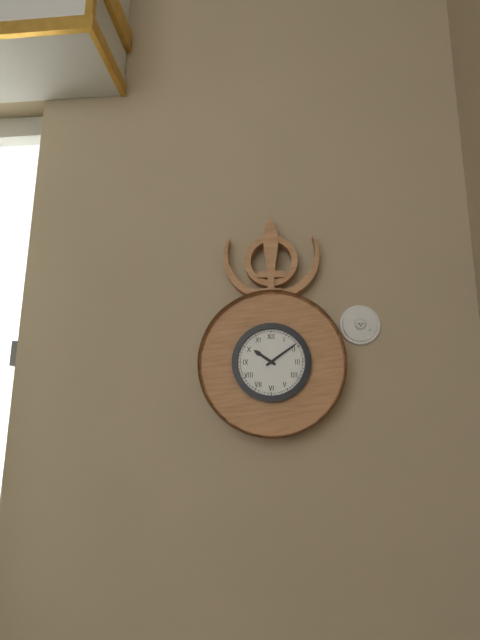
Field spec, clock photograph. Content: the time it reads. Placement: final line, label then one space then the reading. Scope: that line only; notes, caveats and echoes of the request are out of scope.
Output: 10:09
